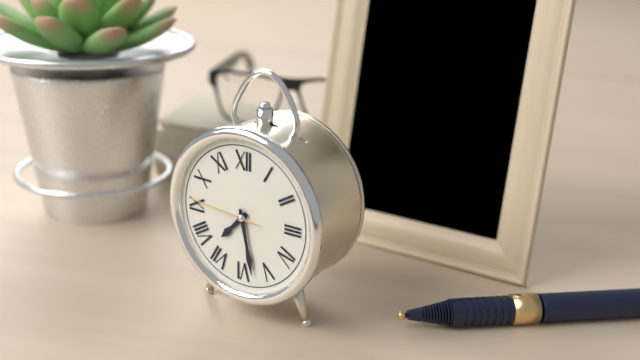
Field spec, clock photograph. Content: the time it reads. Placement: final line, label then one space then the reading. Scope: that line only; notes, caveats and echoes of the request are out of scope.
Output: 7:28:46
